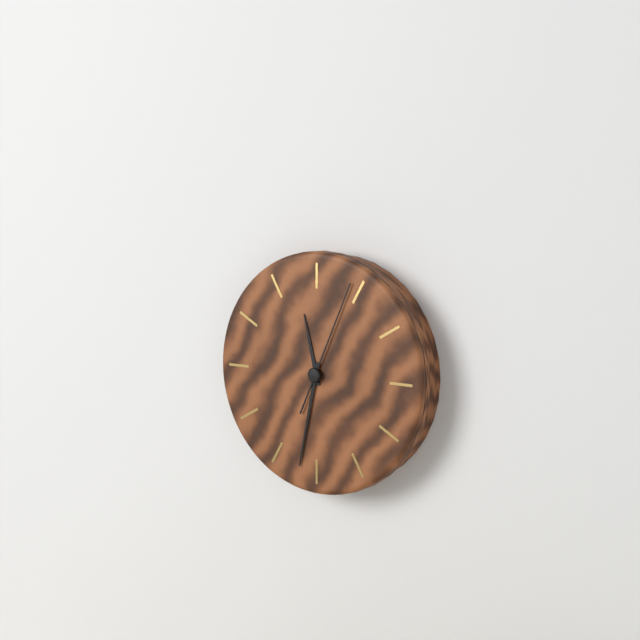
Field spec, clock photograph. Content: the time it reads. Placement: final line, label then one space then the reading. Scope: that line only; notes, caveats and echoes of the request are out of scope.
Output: 11:32:04
